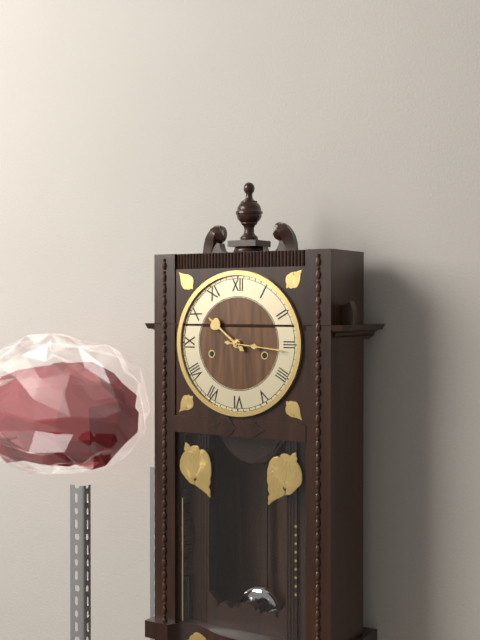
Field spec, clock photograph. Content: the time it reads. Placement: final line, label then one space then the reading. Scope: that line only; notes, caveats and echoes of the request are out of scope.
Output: 10:16
